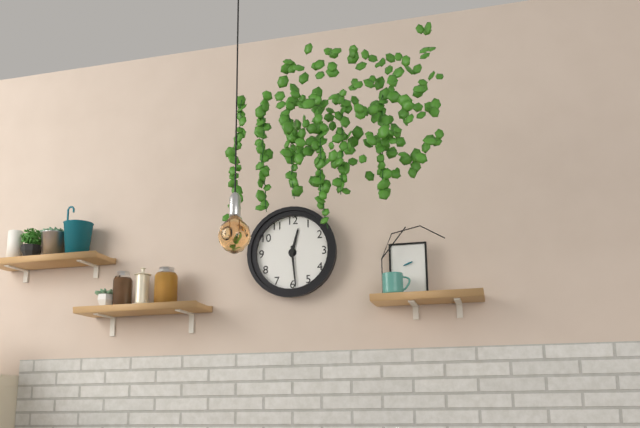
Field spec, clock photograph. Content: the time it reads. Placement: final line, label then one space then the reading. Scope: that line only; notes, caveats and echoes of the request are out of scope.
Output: 12:29
